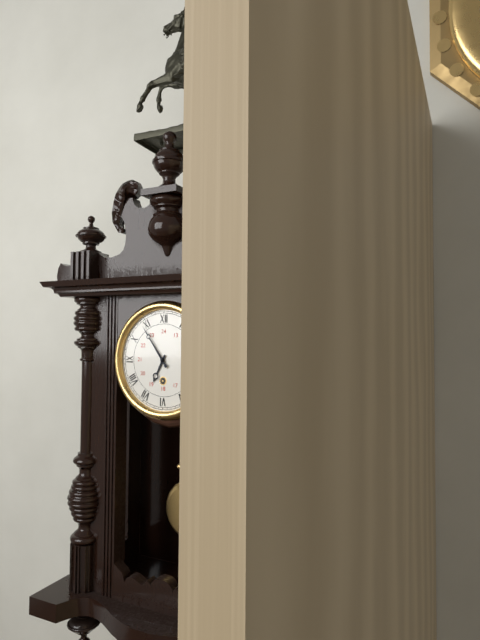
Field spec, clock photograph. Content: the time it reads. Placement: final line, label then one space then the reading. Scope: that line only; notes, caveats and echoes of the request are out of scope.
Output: 6:54
